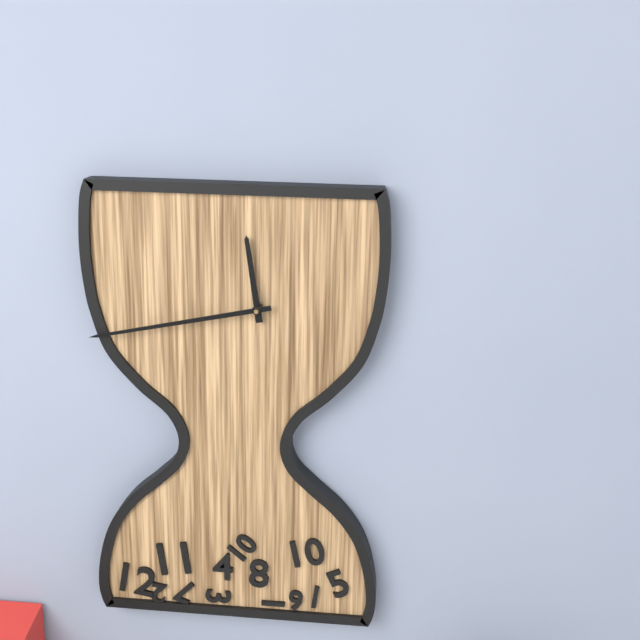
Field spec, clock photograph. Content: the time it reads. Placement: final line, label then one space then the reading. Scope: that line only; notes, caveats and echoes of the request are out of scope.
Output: 11:43
